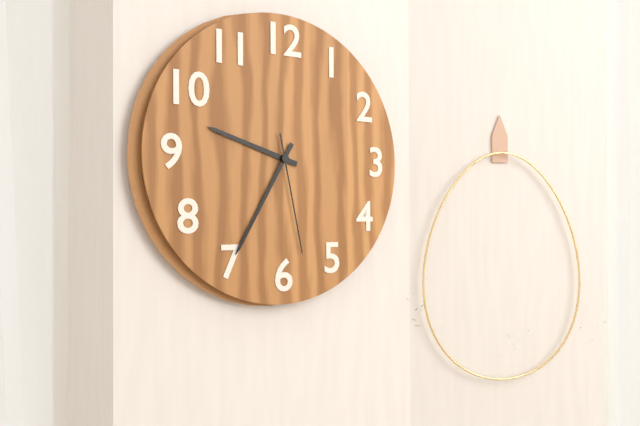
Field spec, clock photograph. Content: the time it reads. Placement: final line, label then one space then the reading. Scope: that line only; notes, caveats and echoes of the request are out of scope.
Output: 9:35:28
